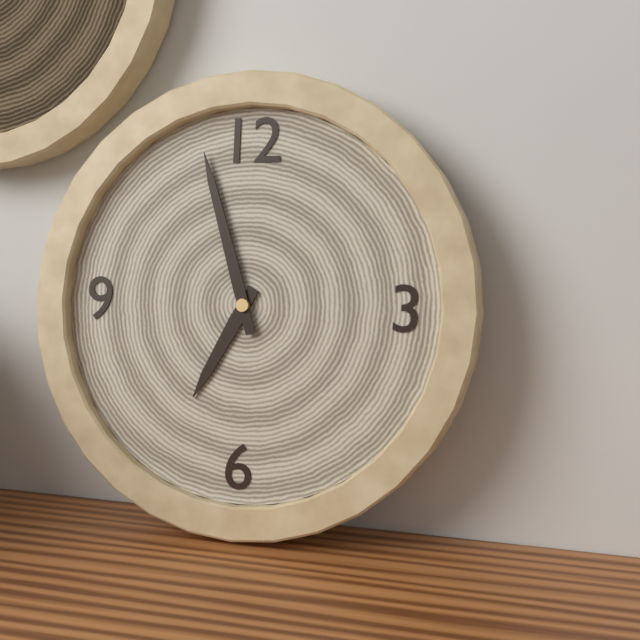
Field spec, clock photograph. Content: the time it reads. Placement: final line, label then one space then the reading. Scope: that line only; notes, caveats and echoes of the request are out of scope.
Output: 6:57
